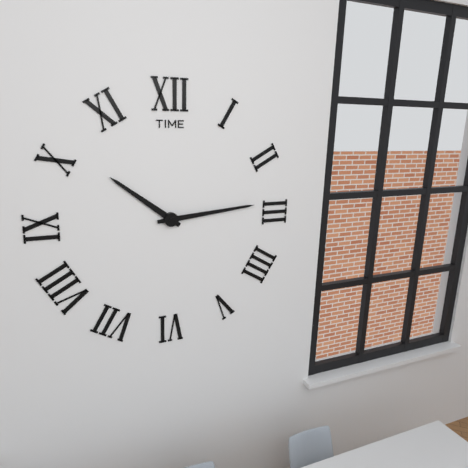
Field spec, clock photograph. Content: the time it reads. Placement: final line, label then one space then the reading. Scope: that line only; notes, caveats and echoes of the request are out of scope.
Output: 10:14
